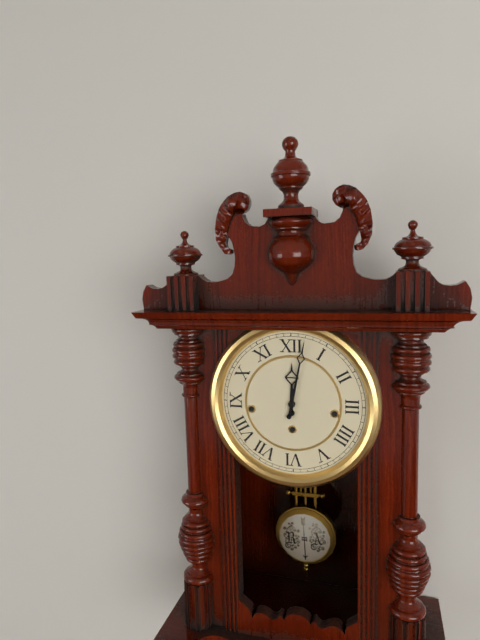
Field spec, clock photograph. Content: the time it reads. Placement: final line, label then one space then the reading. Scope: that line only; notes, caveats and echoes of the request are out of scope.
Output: 12:02
